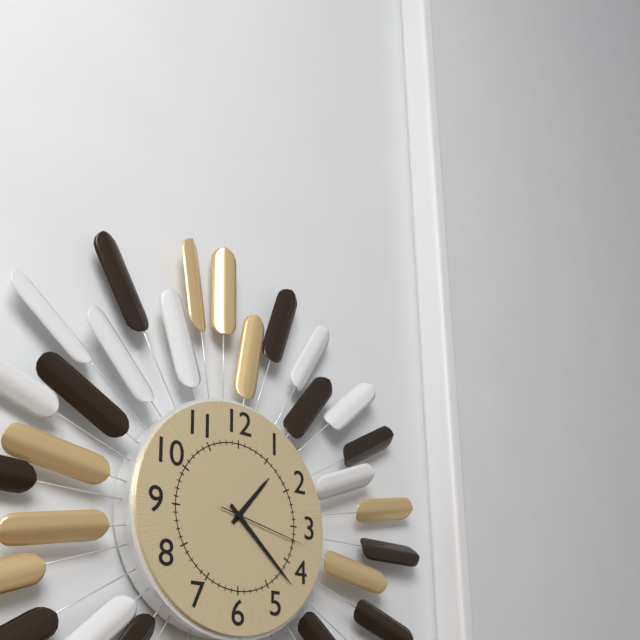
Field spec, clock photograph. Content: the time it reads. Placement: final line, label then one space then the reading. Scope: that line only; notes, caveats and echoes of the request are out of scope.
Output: 1:22:17
